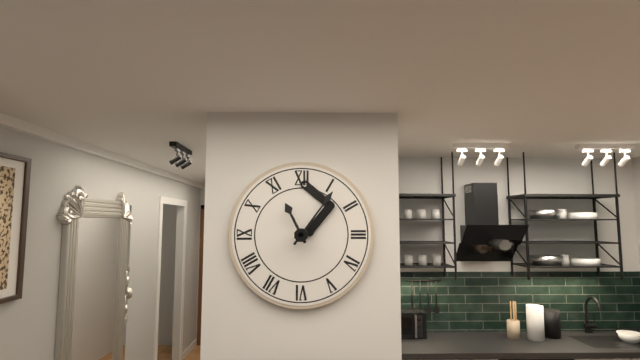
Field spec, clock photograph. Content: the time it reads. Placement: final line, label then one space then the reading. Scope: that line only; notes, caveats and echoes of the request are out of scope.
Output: 11:06
